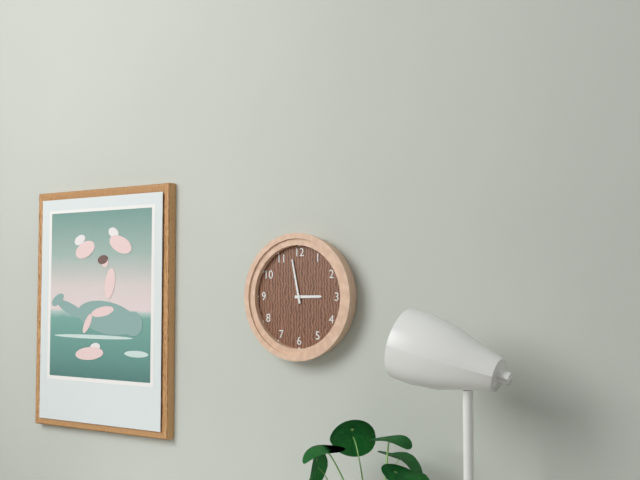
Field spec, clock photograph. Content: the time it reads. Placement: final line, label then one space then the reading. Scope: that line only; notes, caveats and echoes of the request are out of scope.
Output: 2:58
